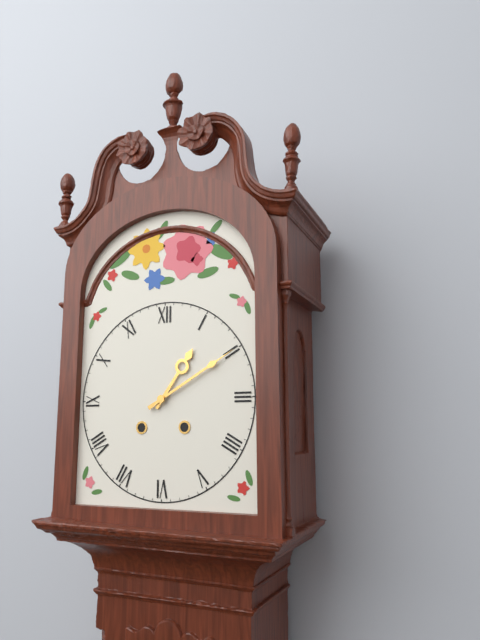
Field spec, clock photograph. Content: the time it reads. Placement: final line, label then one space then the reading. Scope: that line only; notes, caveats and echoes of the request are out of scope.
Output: 1:10
